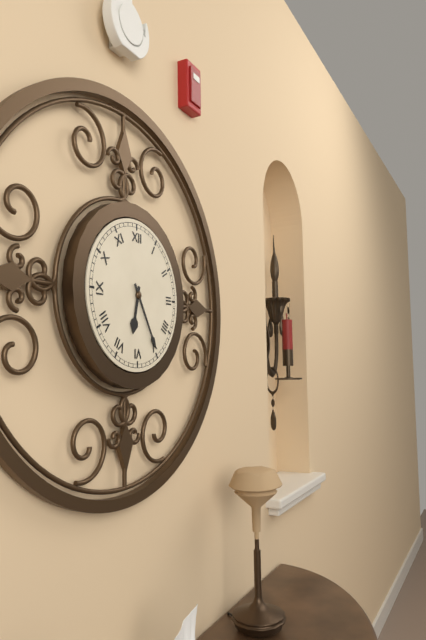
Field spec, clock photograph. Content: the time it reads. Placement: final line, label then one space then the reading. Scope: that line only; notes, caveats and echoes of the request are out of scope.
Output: 6:25
